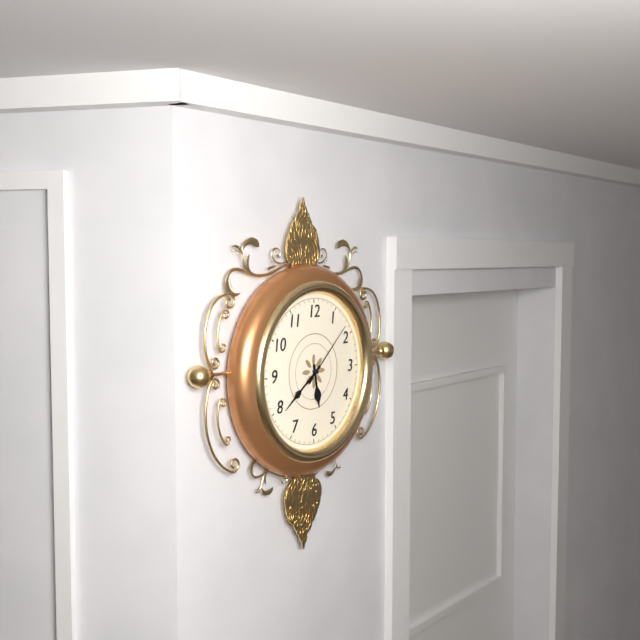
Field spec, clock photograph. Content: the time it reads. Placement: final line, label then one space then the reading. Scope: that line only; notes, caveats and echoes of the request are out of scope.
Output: 5:39:08
